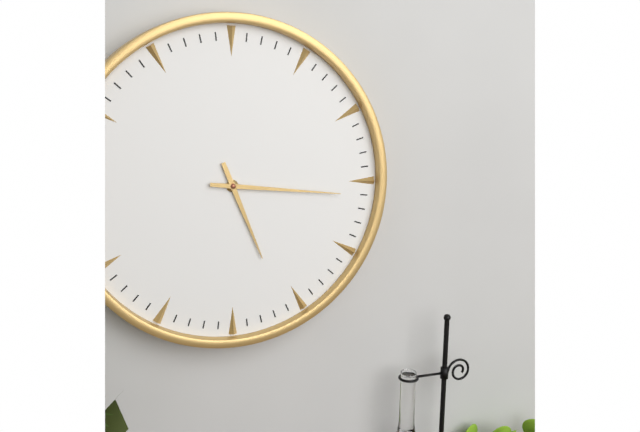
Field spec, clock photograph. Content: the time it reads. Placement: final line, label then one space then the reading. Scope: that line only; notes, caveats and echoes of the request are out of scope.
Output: 5:16
